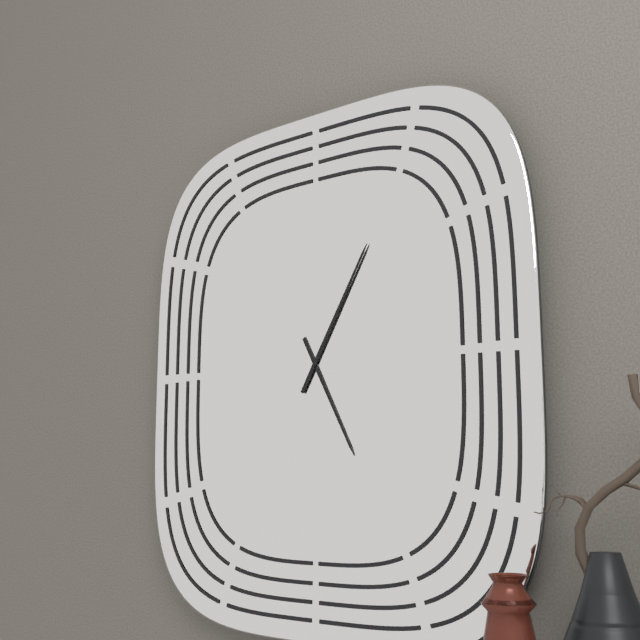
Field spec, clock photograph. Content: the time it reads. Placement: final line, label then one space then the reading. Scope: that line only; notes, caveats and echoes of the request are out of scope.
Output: 5:05
